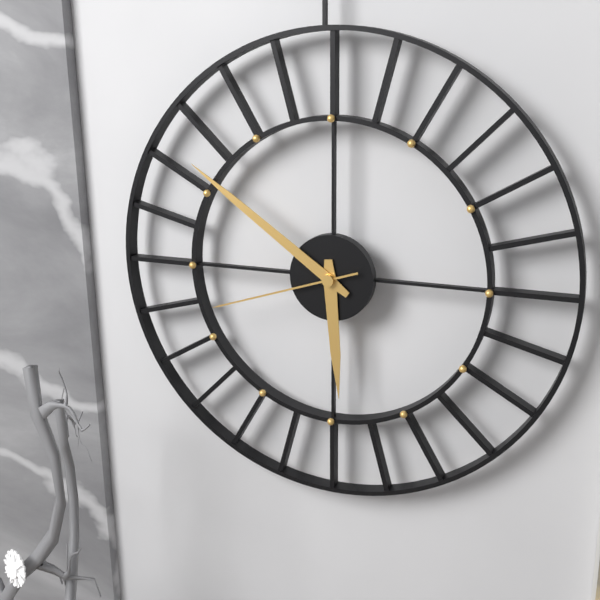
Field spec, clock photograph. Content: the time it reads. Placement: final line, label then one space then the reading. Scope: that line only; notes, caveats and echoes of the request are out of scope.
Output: 5:51:42
